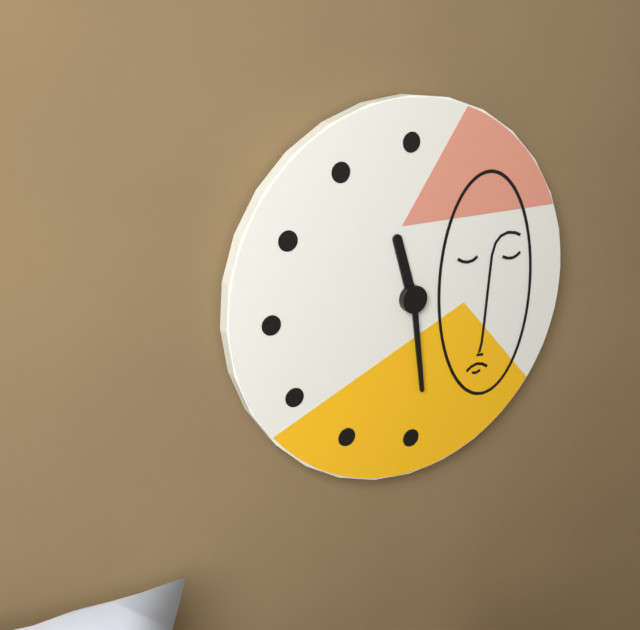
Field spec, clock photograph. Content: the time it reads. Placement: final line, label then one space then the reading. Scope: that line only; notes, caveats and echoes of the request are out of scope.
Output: 11:29
